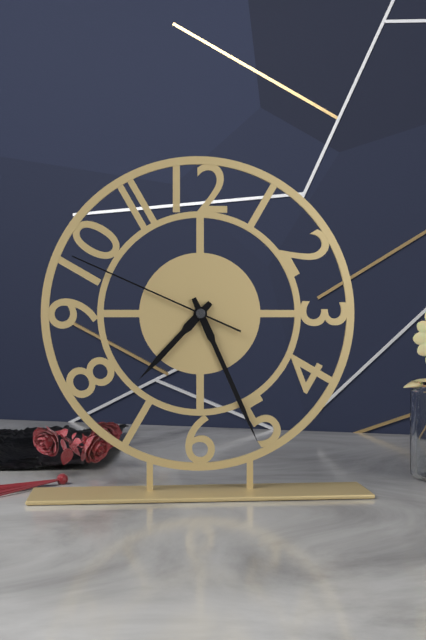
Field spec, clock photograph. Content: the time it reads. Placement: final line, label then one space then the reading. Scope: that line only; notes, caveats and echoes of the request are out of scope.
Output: 7:26:49
